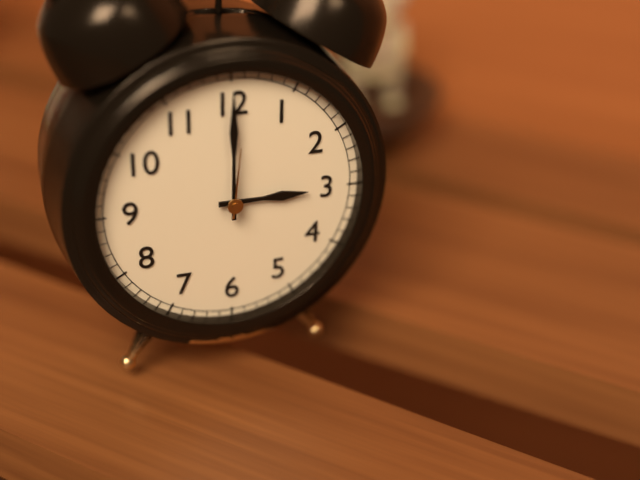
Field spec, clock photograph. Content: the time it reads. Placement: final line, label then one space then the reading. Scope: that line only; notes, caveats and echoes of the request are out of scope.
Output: 3:00:01
